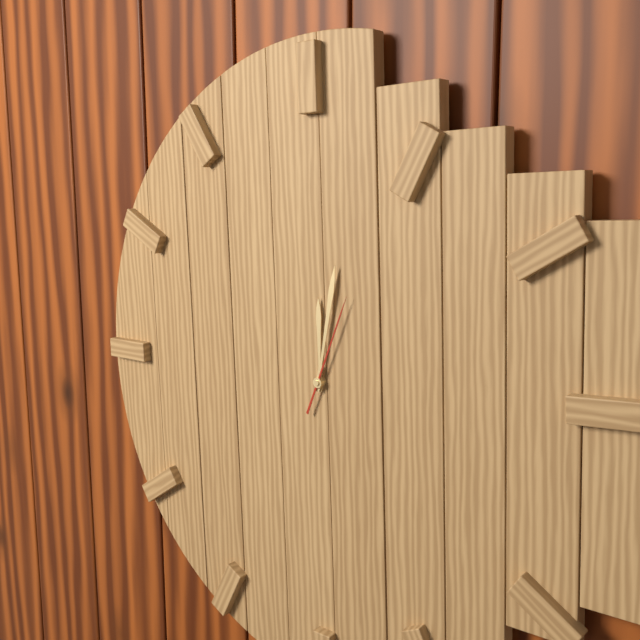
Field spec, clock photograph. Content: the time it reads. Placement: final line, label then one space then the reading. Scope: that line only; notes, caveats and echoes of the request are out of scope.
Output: 12:02:04
